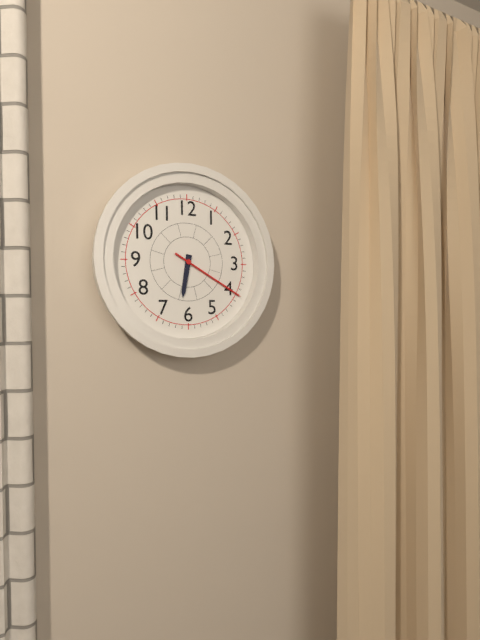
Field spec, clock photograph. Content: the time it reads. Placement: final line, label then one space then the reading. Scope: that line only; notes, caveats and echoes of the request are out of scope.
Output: 6:20
